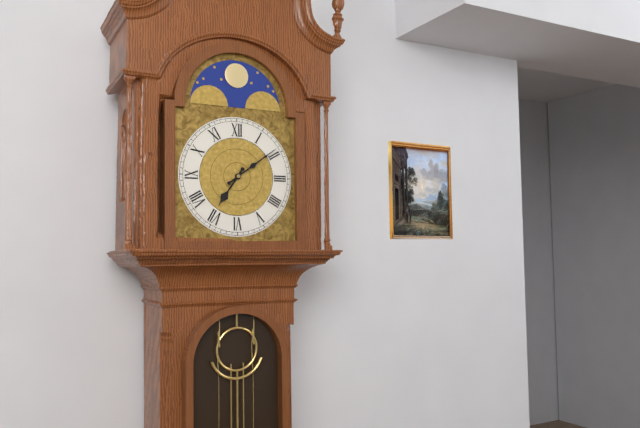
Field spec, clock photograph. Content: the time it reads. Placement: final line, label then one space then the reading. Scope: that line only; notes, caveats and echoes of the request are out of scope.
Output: 7:09
